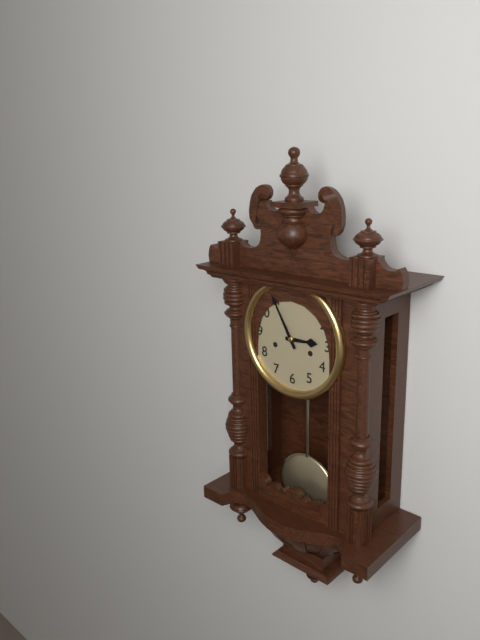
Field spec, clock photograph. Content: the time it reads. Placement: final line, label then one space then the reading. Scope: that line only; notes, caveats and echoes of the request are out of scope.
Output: 2:55
